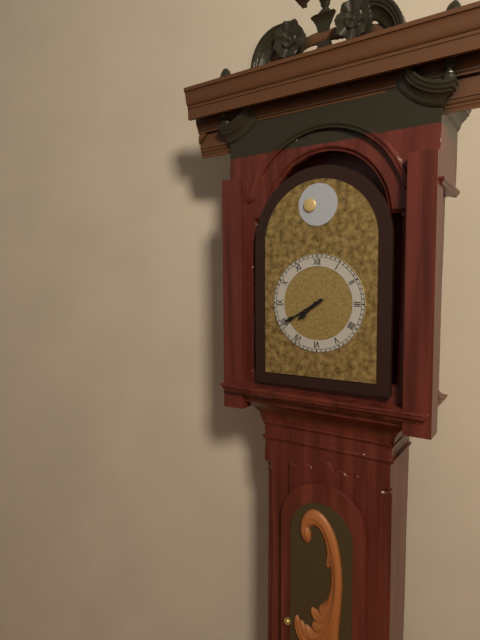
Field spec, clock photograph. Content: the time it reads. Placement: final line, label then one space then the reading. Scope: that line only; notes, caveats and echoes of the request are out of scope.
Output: 7:40
